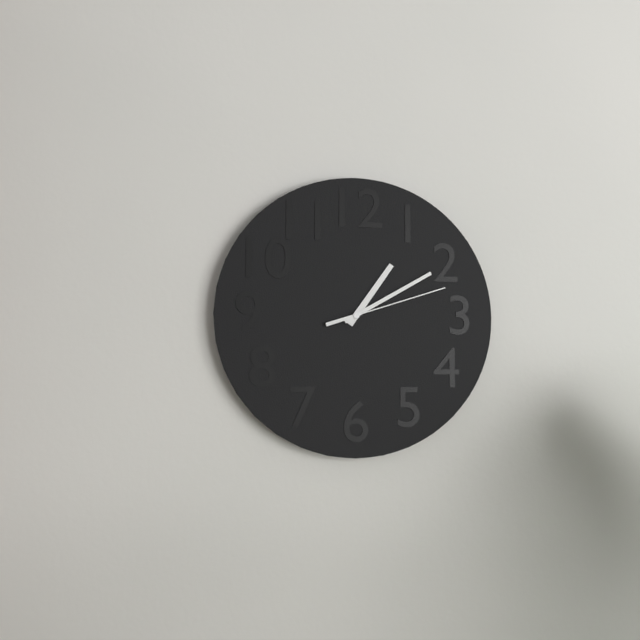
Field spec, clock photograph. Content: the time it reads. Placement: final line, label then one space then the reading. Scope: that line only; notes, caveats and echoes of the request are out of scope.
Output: 1:10:12
